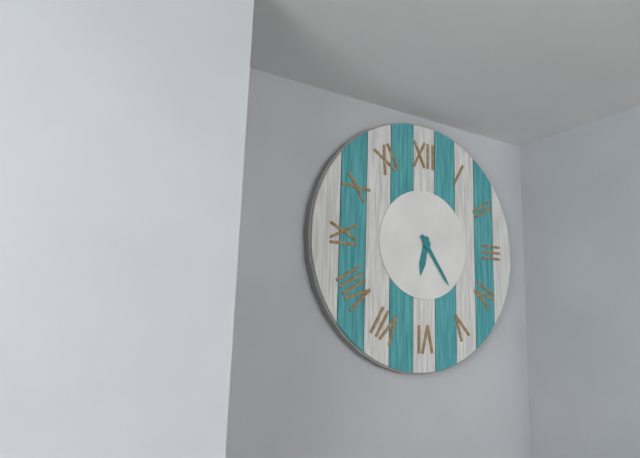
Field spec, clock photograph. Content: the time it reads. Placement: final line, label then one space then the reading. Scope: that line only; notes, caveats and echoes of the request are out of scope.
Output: 6:24
